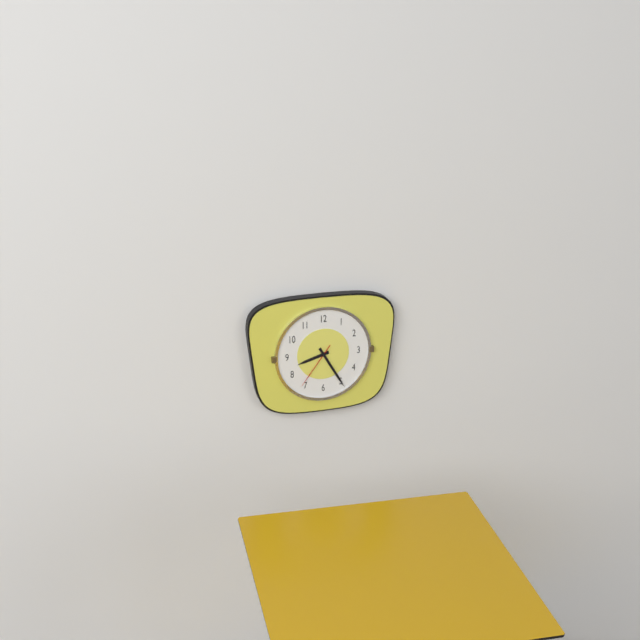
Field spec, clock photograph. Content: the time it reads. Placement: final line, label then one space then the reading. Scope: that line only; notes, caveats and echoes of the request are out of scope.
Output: 8:25
